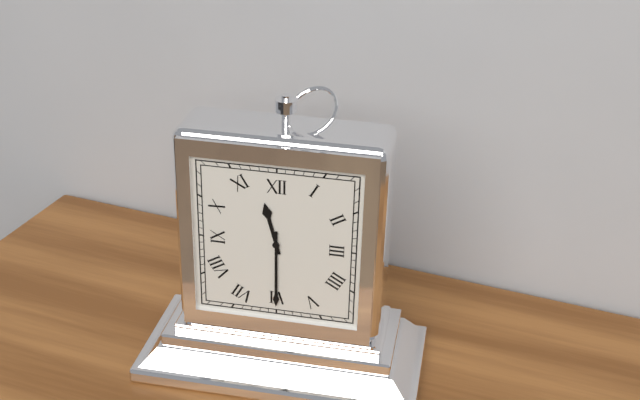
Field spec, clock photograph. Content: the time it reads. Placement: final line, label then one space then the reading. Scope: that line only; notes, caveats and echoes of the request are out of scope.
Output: 11:30
